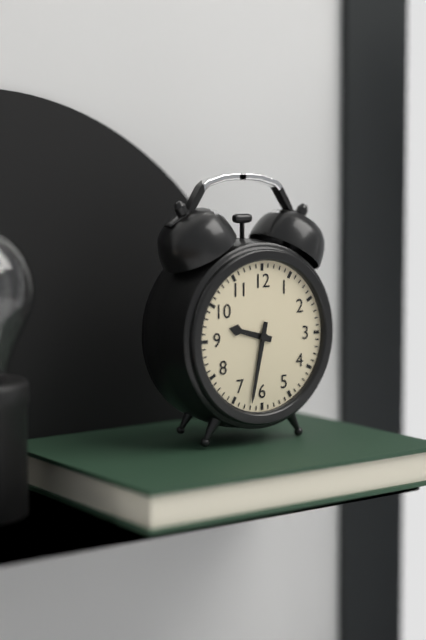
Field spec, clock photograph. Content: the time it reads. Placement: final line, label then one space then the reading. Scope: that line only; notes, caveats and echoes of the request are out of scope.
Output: 9:32
